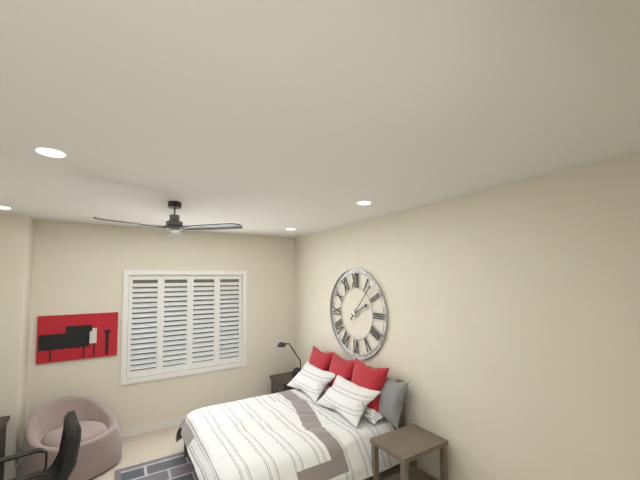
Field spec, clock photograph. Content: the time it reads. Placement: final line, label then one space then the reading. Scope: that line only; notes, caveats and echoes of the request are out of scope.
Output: 2:07
